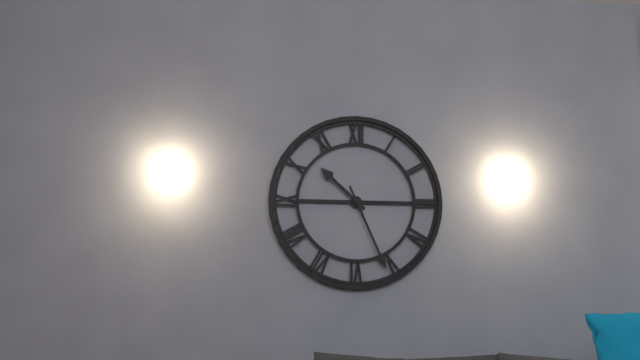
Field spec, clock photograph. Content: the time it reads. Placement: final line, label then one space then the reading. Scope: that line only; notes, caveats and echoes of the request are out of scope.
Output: 10:26
